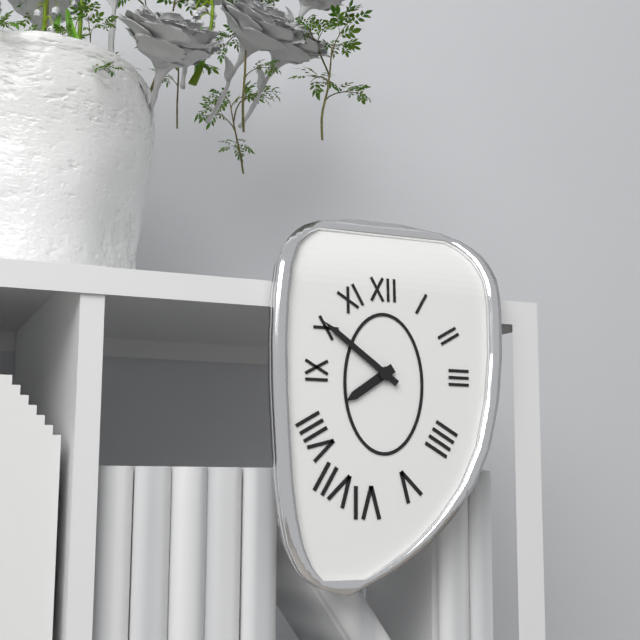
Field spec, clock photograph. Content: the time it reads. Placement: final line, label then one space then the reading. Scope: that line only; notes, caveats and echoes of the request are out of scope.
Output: 7:51
